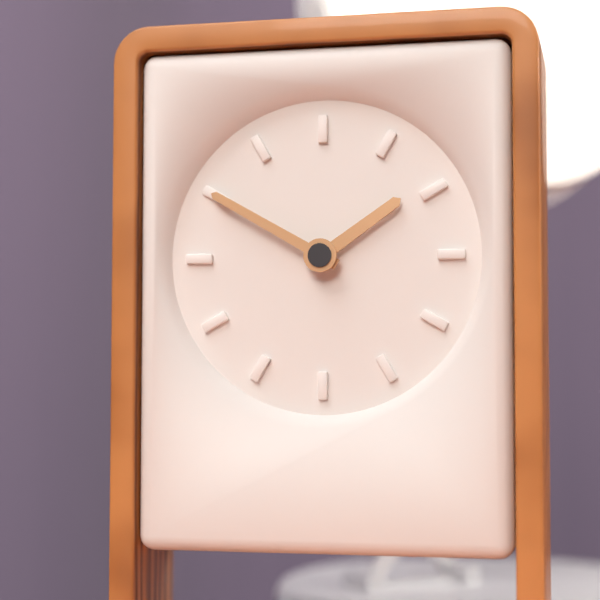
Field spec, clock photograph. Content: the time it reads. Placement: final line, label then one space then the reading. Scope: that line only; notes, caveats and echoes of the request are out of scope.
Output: 1:50
